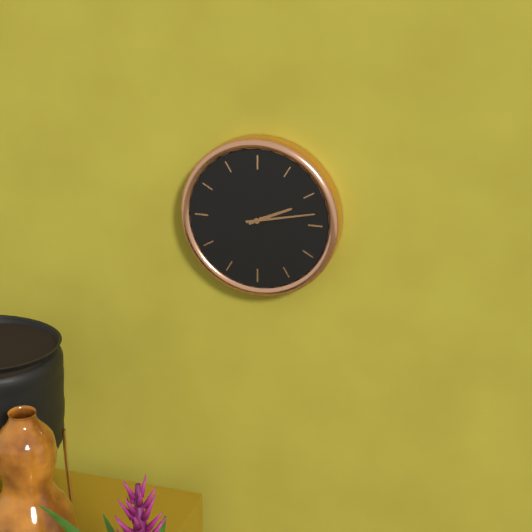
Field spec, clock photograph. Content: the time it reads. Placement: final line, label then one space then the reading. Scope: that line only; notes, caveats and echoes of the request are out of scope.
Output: 2:13
